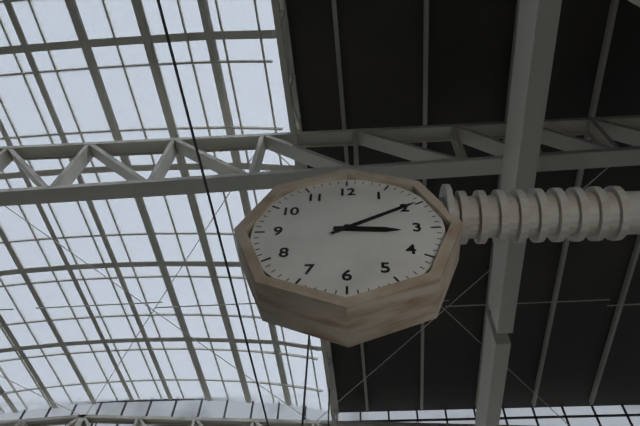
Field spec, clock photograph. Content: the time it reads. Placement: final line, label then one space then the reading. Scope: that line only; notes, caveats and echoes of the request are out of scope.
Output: 3:10
